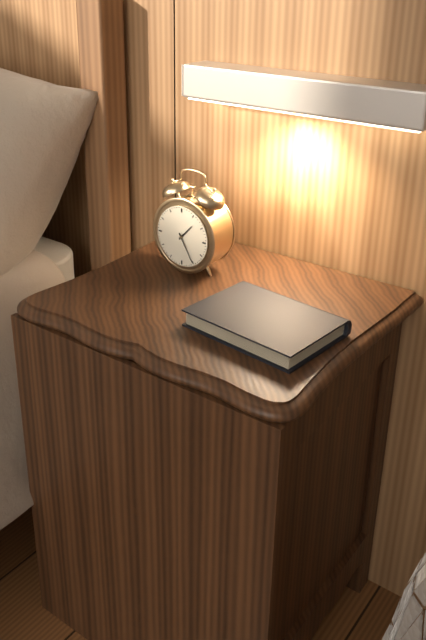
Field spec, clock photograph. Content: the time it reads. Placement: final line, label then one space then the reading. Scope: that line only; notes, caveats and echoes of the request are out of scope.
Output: 1:25
